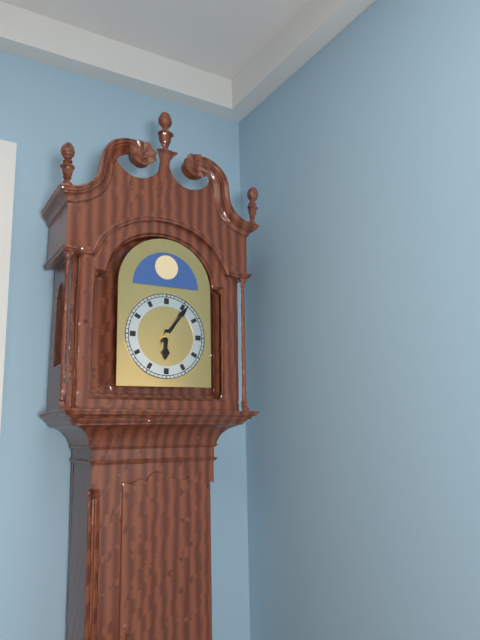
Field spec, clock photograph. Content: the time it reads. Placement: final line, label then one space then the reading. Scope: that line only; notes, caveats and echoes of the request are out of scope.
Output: 6:06
